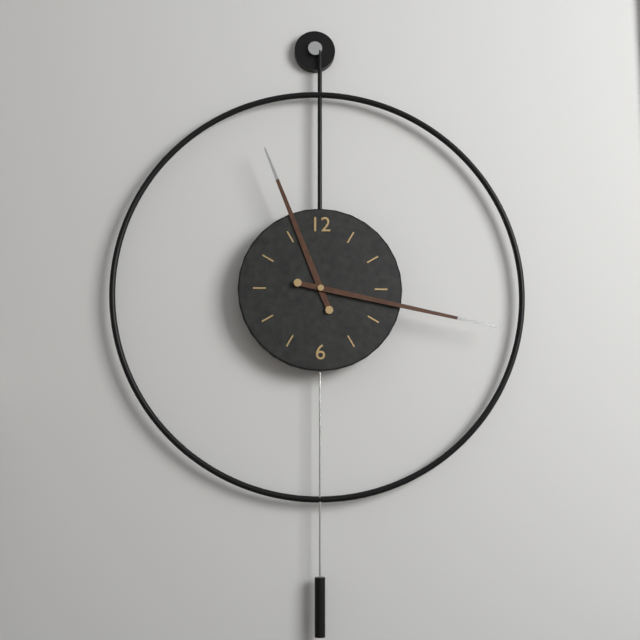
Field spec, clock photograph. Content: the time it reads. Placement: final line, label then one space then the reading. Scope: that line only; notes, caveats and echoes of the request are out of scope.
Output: 11:17
